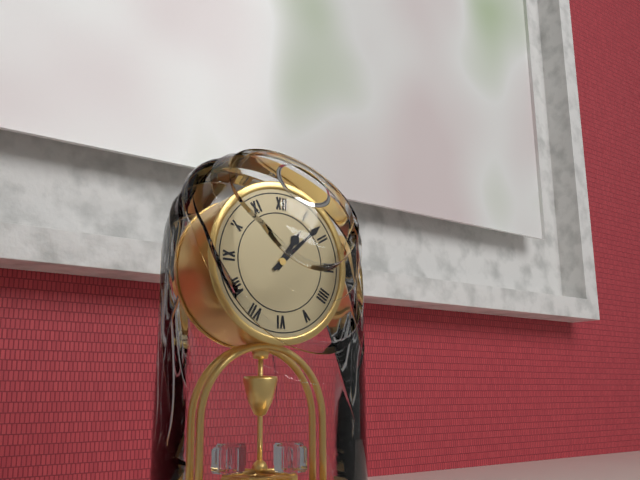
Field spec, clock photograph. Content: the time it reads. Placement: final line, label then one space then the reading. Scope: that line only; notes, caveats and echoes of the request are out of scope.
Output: 1:08
